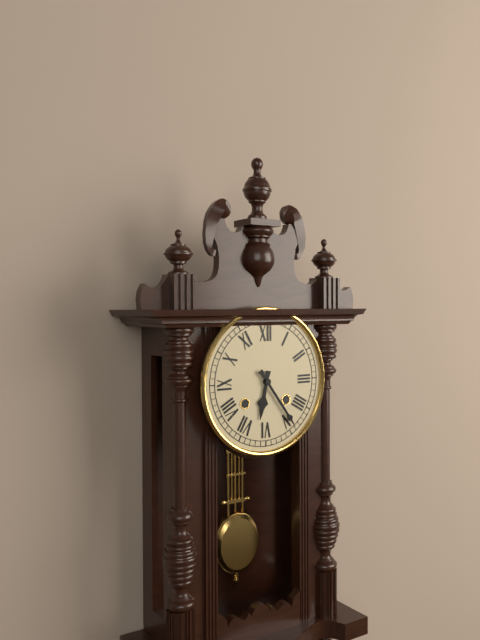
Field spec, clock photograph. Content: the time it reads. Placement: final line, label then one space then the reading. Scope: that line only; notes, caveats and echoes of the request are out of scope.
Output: 6:24
